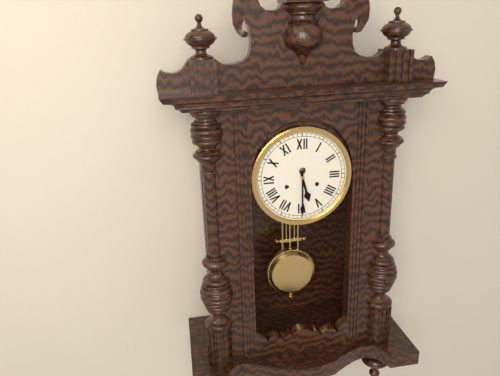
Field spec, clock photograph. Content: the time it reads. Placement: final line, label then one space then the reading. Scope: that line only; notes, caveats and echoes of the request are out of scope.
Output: 5:30
